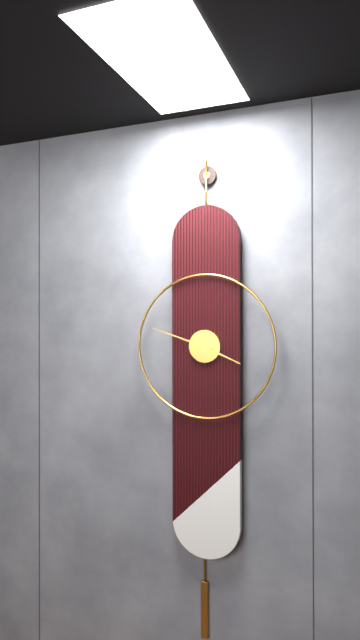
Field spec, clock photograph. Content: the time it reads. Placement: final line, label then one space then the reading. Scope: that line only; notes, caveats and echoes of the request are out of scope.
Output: 3:48
